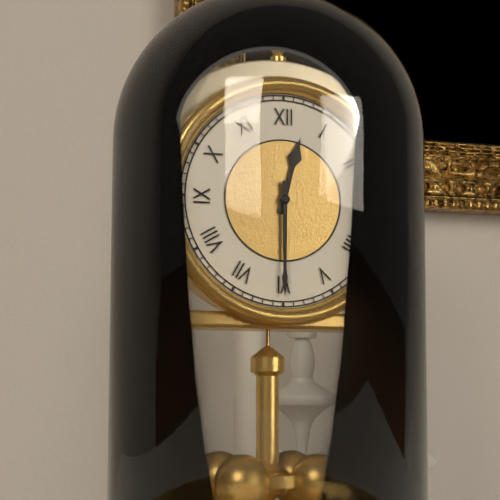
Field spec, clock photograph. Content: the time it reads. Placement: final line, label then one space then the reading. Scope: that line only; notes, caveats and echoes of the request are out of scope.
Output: 12:30
